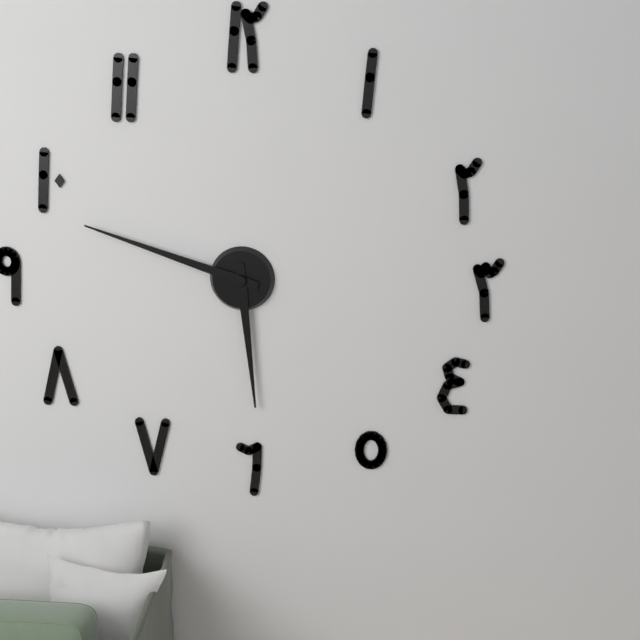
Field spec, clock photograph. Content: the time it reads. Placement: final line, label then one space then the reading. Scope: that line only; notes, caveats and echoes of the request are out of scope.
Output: 5:48
